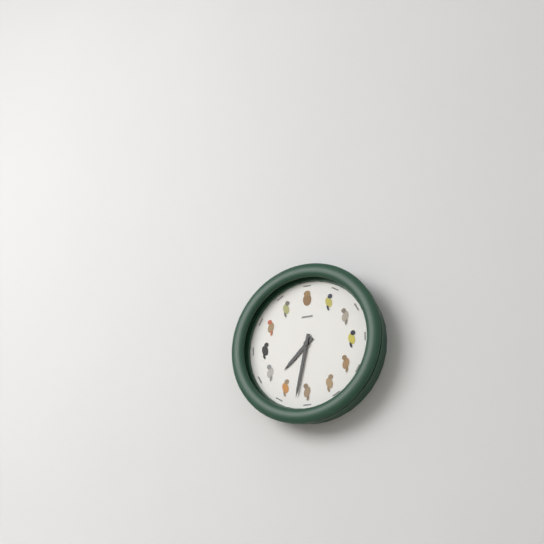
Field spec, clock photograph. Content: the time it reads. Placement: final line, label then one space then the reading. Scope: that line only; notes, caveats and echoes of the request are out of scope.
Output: 7:32
